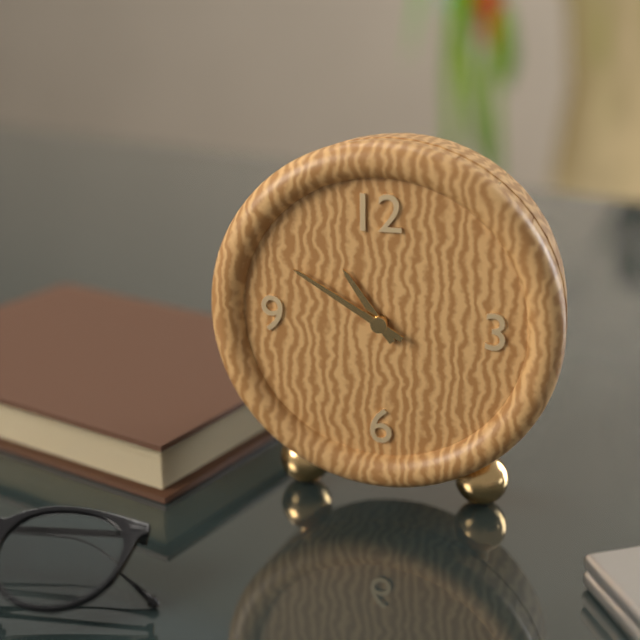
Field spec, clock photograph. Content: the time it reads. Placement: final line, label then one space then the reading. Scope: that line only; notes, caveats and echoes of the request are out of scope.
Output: 10:50
